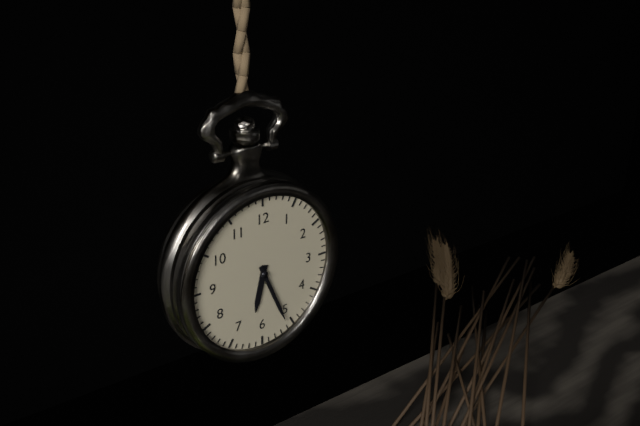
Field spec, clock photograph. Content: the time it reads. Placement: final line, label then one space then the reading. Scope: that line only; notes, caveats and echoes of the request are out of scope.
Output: 6:26
